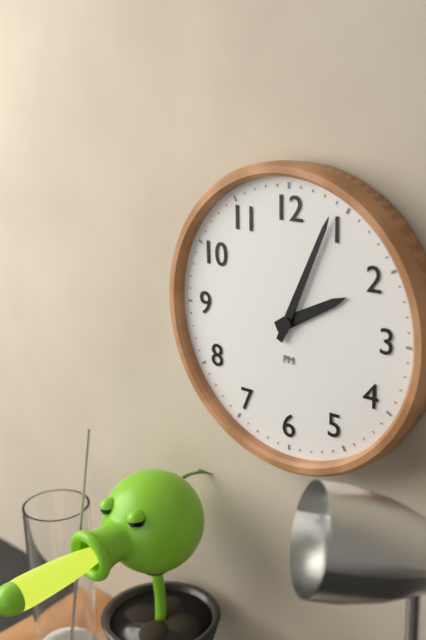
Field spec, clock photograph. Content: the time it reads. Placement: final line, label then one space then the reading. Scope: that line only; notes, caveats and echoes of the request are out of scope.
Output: 2:04
